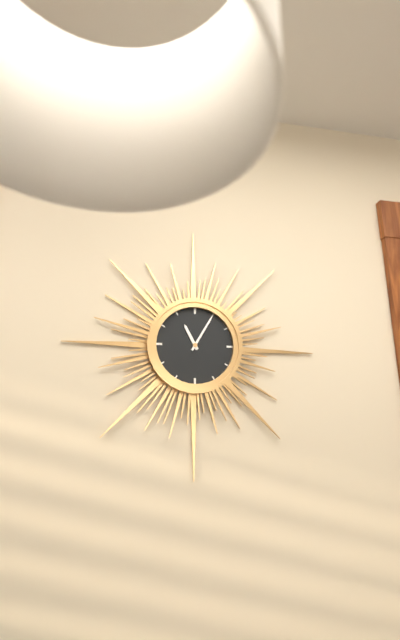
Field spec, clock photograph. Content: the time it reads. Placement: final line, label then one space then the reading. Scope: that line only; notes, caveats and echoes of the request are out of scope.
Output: 11:05
